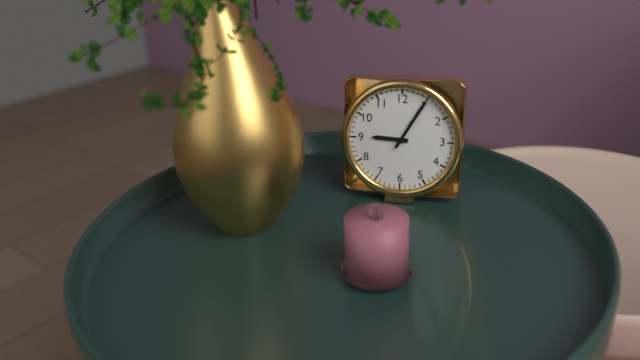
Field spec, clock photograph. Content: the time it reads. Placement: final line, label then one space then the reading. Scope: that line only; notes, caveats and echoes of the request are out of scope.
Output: 9:05
